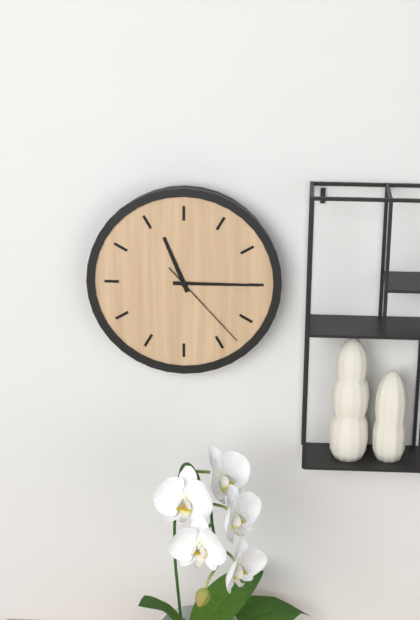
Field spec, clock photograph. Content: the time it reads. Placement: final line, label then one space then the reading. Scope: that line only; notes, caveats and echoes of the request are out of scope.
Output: 11:15:23
